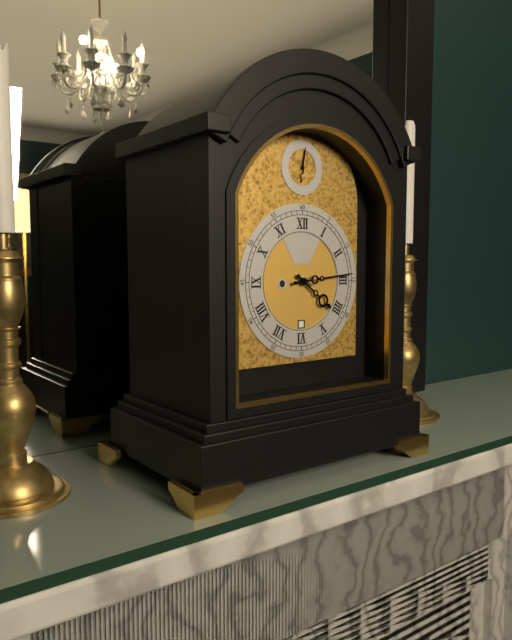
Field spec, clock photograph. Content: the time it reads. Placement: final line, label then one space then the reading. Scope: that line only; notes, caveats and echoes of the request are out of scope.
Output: 4:14
